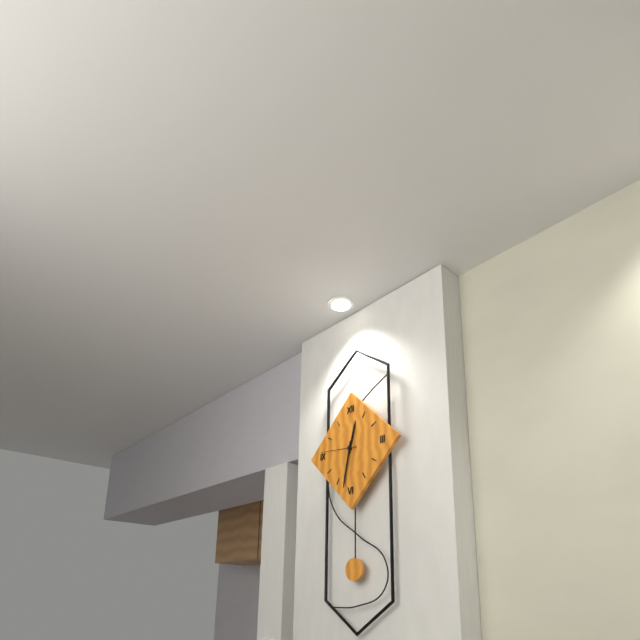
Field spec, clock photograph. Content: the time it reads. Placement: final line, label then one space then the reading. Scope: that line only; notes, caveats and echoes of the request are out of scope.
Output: 12:32
